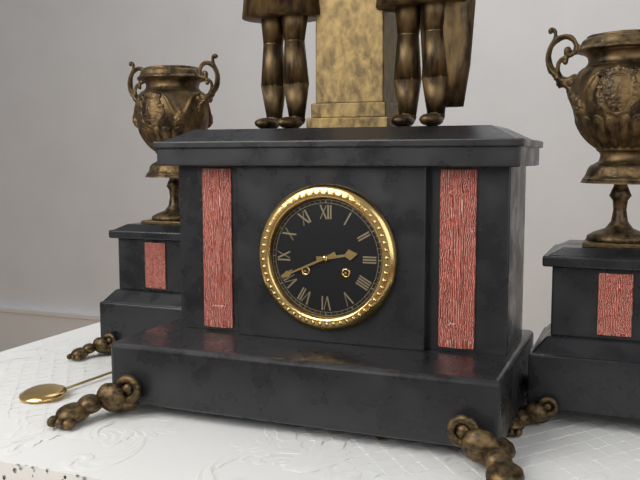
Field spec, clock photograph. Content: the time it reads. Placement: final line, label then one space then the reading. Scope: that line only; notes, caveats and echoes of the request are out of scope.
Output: 2:41
